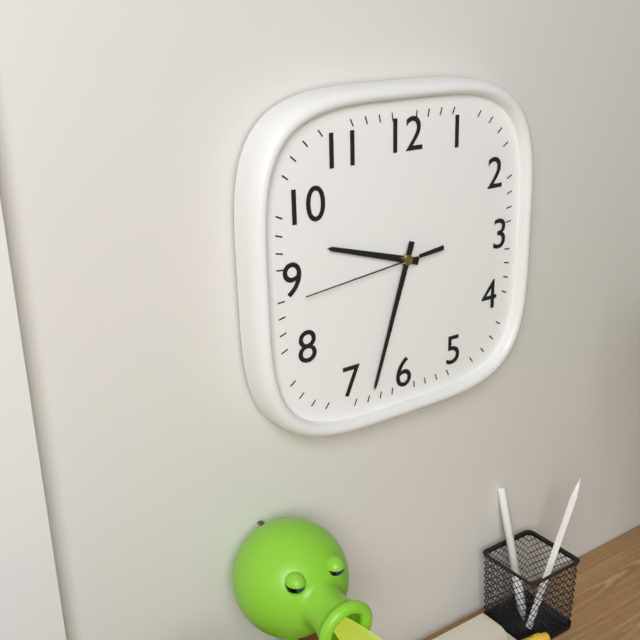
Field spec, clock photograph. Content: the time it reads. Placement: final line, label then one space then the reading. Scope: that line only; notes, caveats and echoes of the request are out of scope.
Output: 9:33:44
